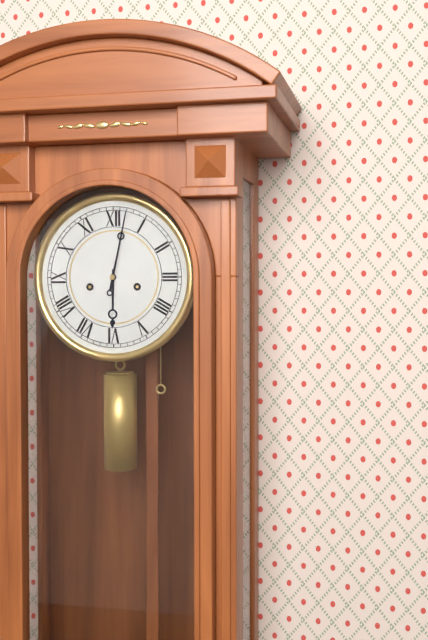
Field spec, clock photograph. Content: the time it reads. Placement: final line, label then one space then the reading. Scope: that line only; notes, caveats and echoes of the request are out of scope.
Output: 6:02
